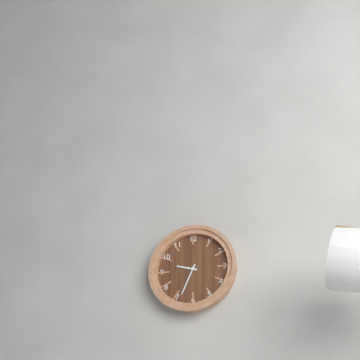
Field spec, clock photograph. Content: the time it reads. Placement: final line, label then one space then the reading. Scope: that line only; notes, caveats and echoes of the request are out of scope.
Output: 9:34
